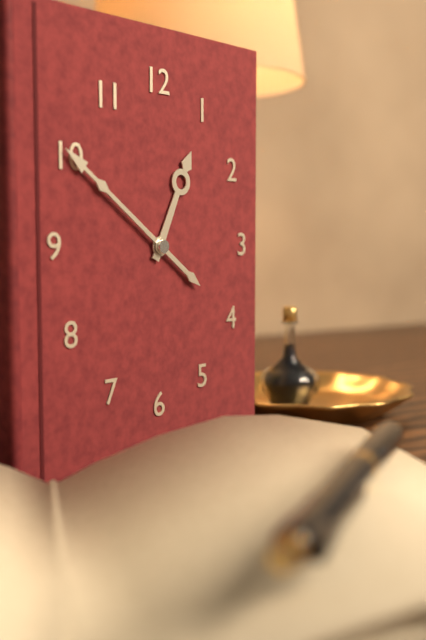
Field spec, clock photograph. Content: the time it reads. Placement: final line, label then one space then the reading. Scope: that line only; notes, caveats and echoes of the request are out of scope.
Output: 12:51
